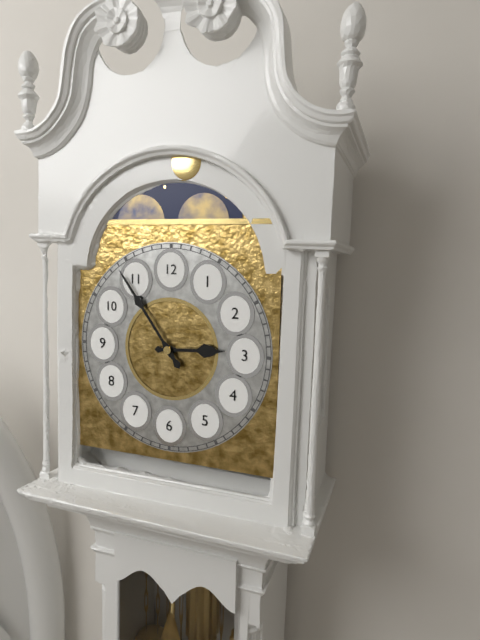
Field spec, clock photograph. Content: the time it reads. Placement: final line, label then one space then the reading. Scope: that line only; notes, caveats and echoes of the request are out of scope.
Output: 2:54
